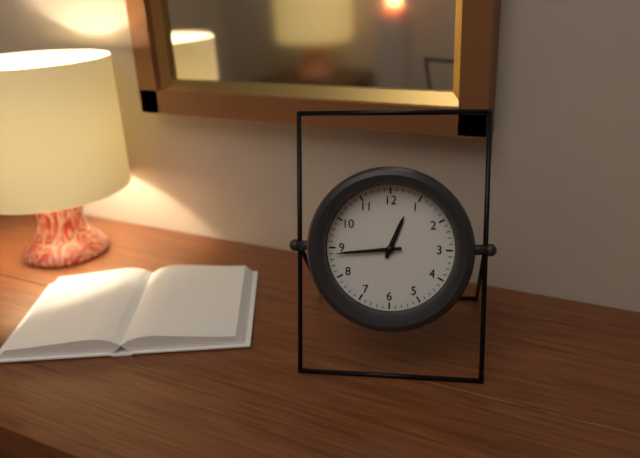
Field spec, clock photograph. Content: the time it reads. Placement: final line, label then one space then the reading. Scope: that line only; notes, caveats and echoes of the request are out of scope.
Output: 12:44
